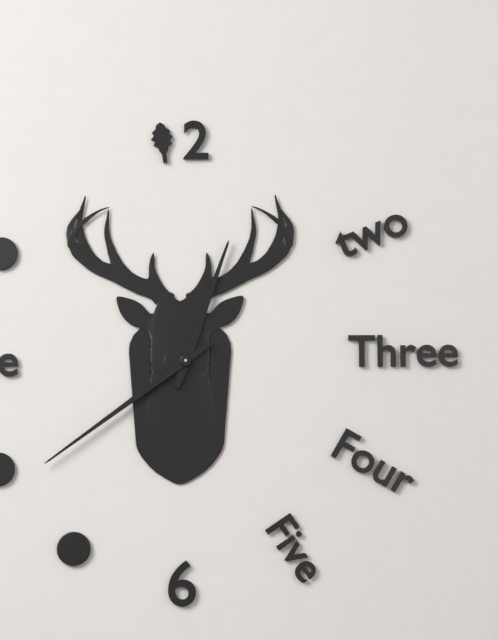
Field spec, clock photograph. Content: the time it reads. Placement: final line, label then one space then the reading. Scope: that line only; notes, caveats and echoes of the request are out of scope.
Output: 12:39
